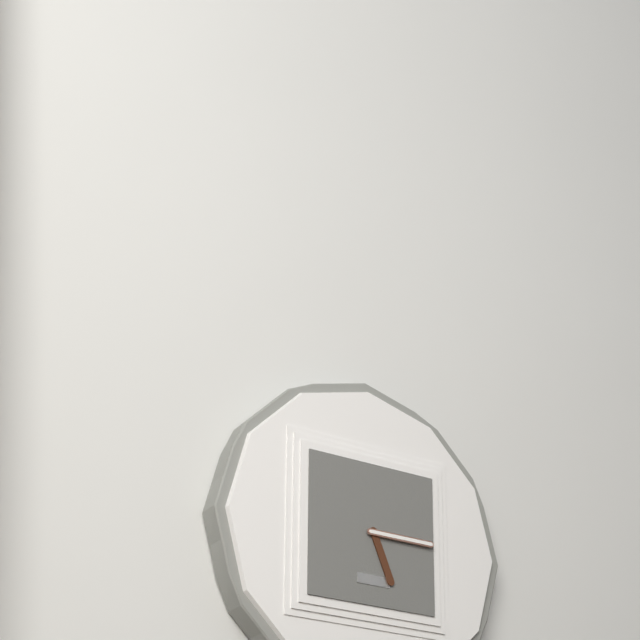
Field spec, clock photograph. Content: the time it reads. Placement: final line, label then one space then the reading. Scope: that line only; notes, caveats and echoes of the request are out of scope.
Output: 5:15
